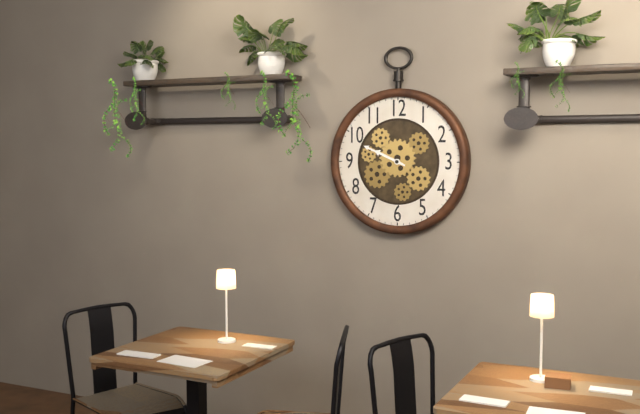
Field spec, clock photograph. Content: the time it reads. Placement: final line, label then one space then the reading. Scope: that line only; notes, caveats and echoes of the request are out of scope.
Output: 9:49
